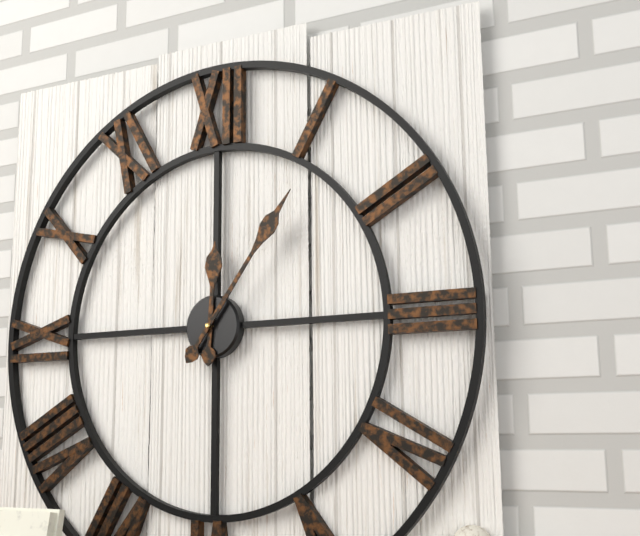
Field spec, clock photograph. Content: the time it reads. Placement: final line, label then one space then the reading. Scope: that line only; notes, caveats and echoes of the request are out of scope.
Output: 12:06
